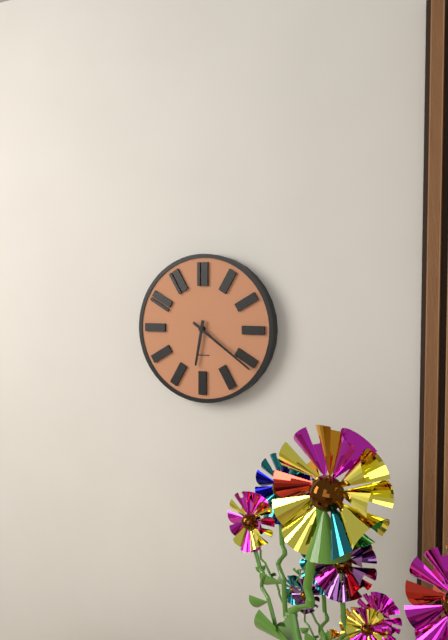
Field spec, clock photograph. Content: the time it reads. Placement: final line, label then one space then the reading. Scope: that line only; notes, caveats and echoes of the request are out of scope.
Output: 6:21
